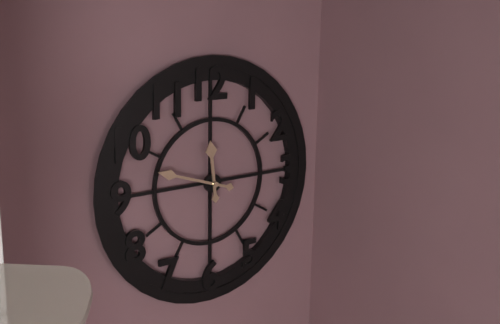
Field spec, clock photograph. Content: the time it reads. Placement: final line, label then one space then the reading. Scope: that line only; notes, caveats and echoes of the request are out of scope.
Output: 11:48
